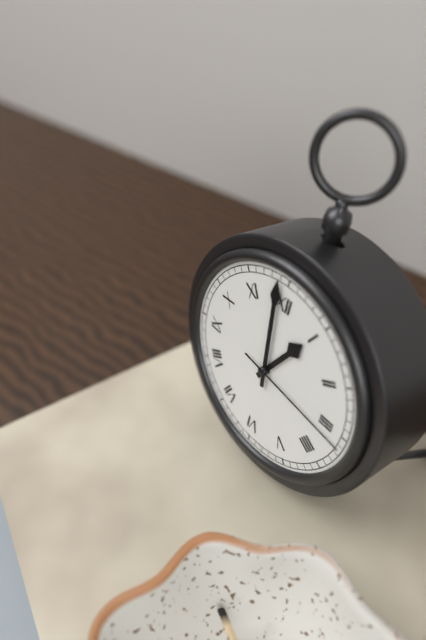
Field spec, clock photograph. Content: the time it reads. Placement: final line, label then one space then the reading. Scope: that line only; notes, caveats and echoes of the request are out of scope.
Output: 12:59:16
